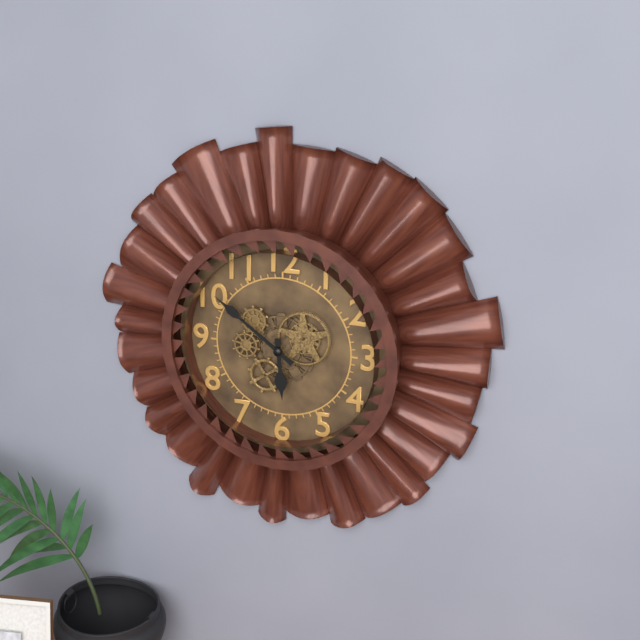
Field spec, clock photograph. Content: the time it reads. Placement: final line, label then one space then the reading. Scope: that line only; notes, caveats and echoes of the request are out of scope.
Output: 5:51
